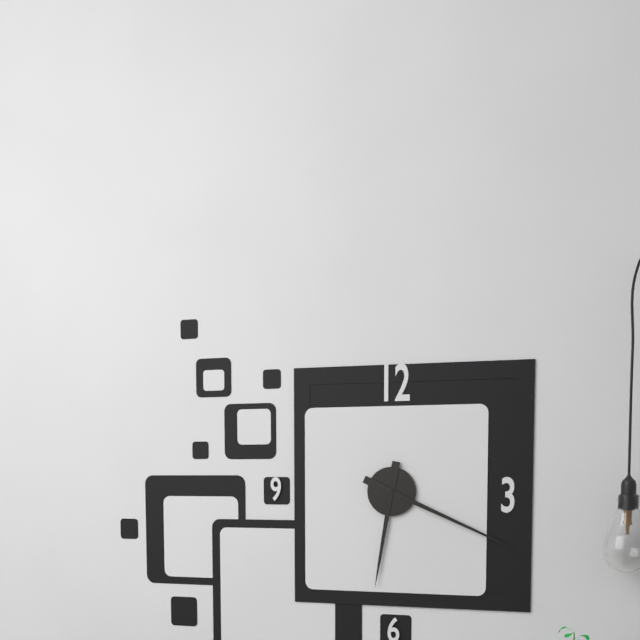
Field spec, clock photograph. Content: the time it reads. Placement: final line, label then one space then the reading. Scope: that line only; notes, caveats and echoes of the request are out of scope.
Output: 6:19
